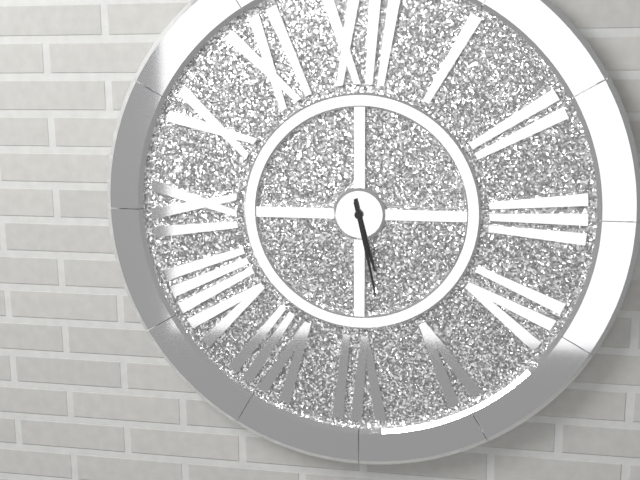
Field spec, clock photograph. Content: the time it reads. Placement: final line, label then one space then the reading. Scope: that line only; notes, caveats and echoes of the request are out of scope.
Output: 5:28
